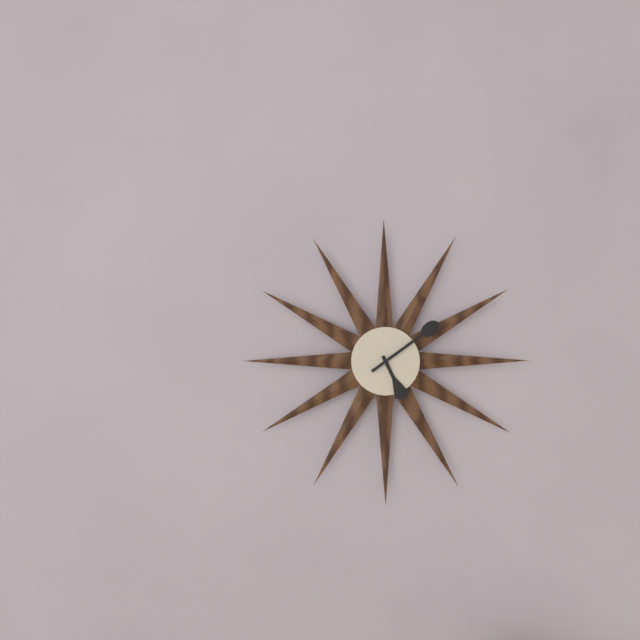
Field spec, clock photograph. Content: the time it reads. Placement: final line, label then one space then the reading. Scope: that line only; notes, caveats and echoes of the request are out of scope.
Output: 5:09
